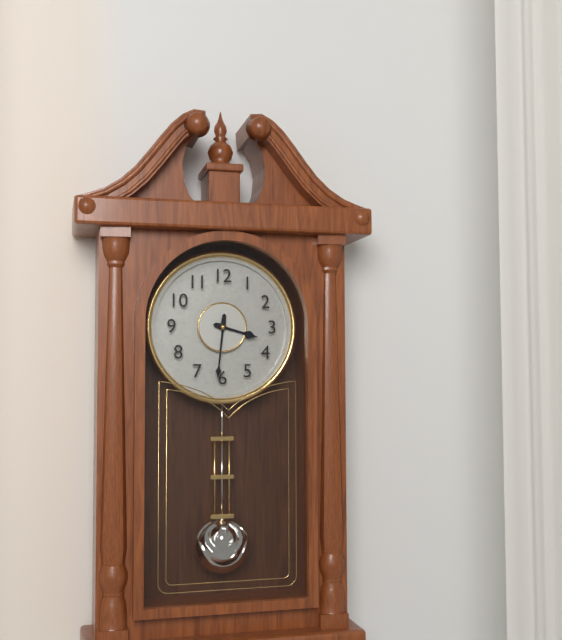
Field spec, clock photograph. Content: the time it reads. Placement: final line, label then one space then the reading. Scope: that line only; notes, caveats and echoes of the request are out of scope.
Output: 3:31
